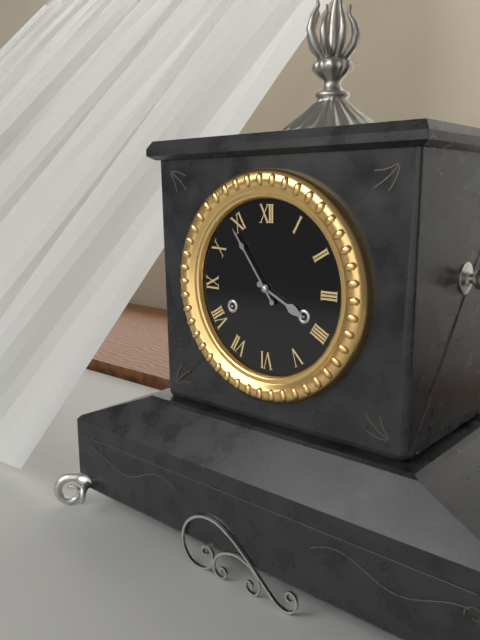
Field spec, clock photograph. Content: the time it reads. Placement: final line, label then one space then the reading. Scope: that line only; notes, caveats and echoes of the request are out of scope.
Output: 3:54
